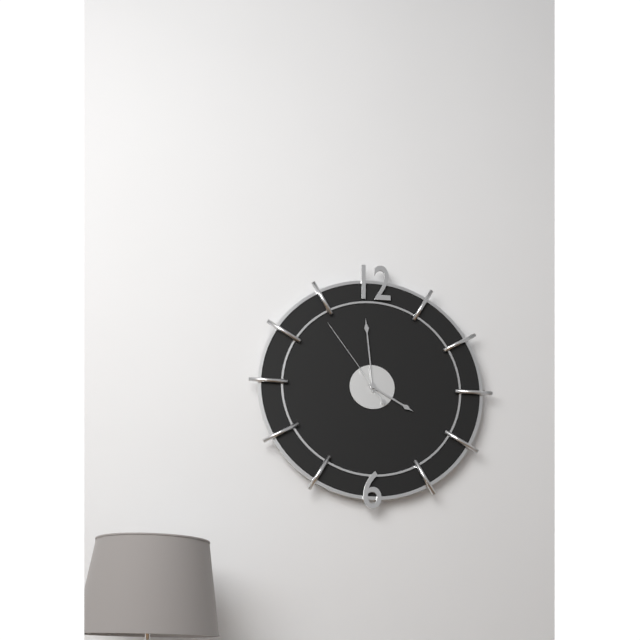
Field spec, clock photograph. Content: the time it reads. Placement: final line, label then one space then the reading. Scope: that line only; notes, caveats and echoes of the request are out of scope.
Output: 3:59:54
